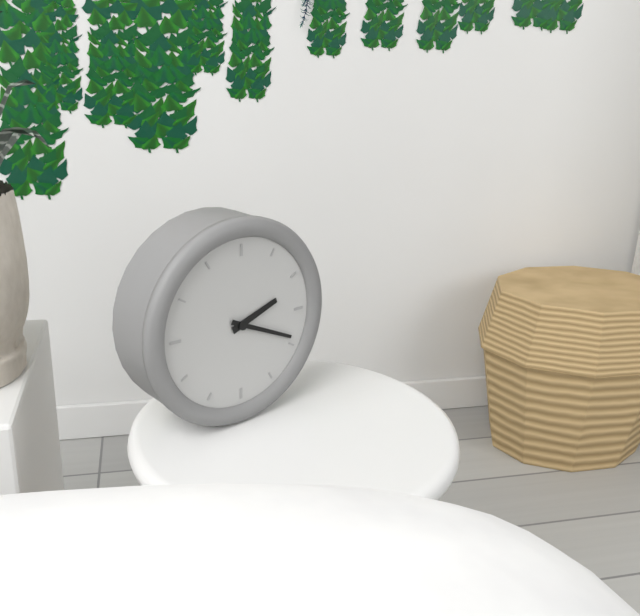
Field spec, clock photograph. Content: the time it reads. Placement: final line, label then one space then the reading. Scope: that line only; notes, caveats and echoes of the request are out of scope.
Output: 2:19
